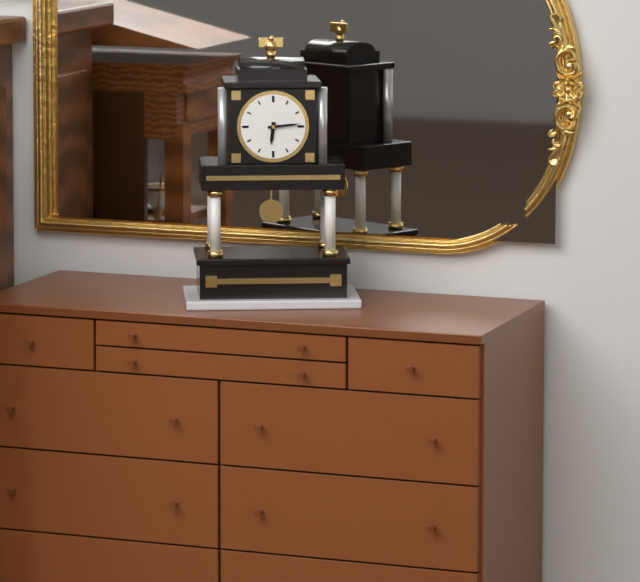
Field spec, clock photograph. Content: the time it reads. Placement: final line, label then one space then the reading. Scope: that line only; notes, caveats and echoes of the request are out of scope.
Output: 6:14
